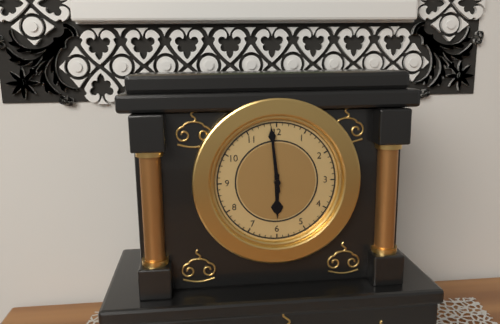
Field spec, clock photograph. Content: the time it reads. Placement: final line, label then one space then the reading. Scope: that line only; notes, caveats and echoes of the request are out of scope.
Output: 5:59
